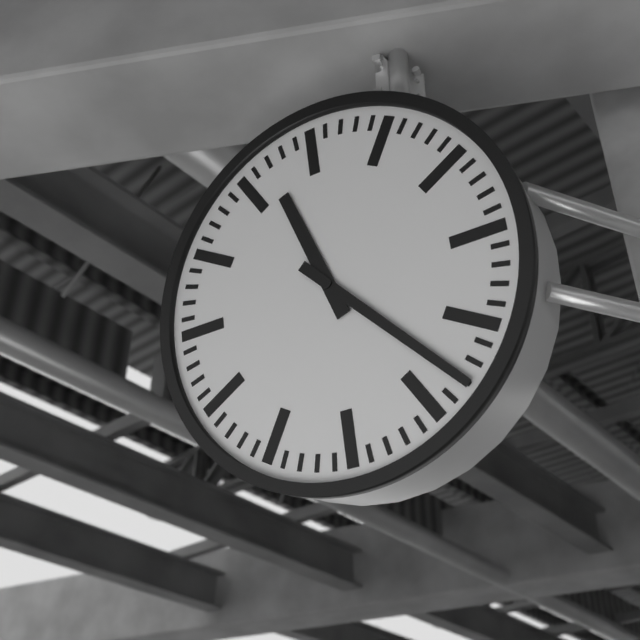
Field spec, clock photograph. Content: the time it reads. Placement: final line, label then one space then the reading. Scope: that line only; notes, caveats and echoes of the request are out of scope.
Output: 11:23
